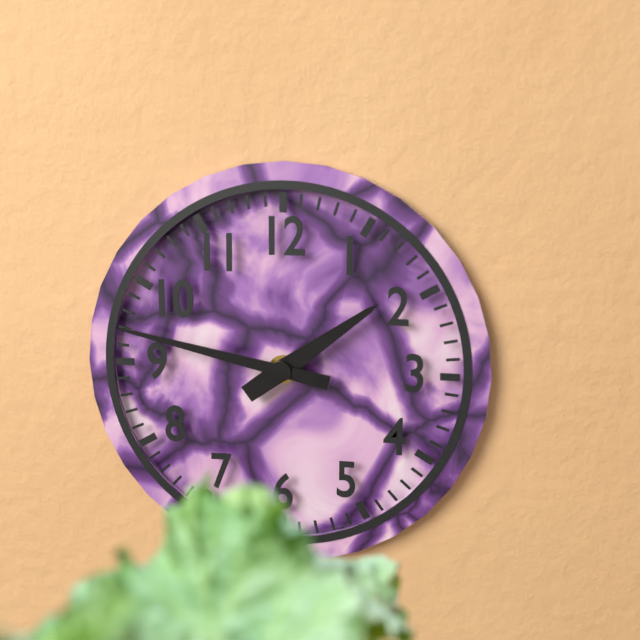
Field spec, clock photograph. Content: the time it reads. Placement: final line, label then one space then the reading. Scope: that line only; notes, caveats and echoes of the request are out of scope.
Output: 1:47
